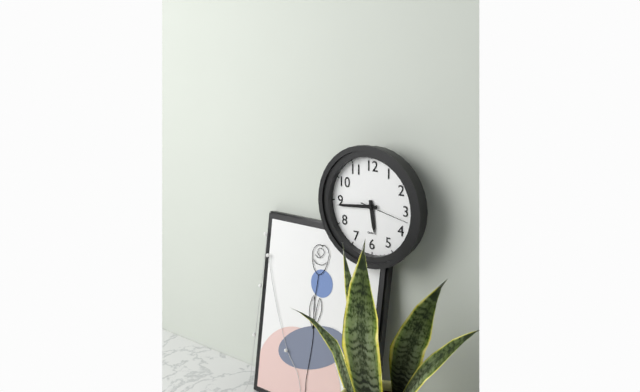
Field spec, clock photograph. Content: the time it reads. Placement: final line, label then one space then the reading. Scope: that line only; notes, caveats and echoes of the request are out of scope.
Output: 5:44:17
